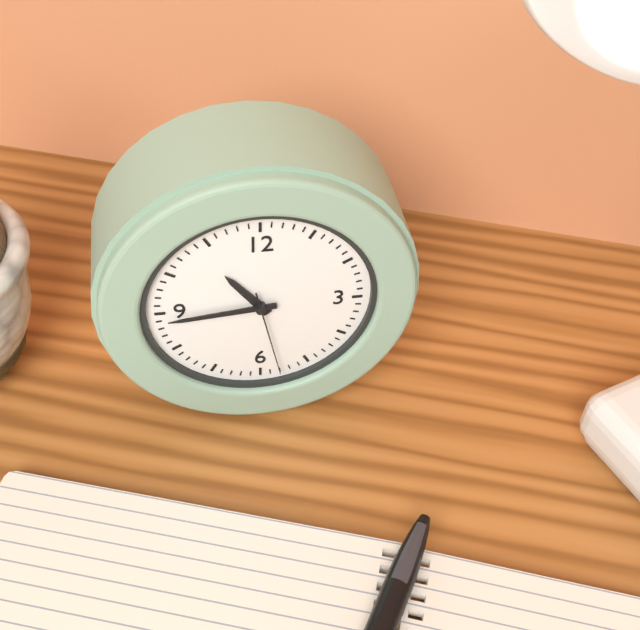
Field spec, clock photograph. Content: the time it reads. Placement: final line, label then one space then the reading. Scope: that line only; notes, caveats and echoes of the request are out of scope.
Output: 10:44:28
